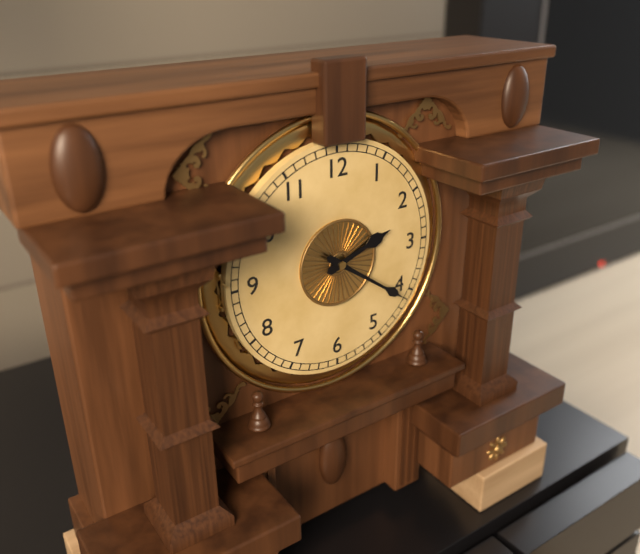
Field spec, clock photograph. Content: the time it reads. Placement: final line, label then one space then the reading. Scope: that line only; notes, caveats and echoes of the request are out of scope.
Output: 2:21
